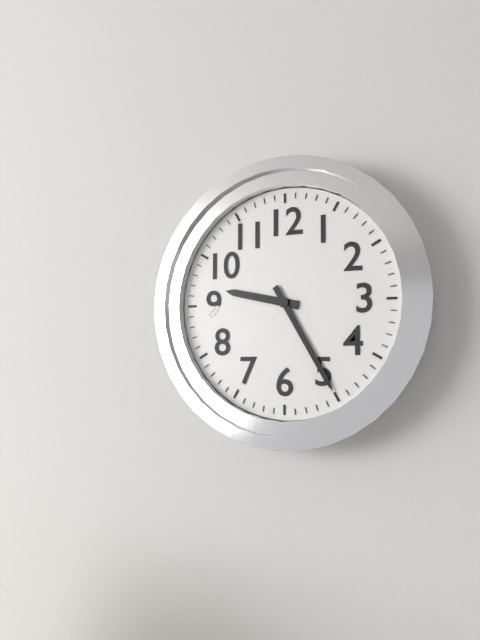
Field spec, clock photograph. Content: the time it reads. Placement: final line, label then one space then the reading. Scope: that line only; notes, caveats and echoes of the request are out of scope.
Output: 9:25
